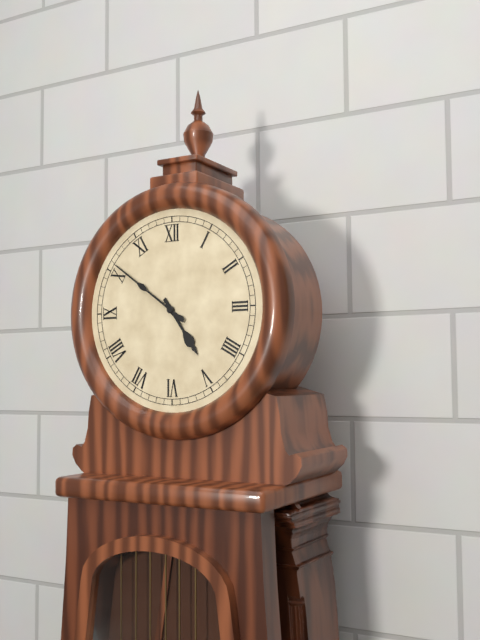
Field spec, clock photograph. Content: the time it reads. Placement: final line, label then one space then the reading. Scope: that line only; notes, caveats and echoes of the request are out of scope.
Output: 4:51
